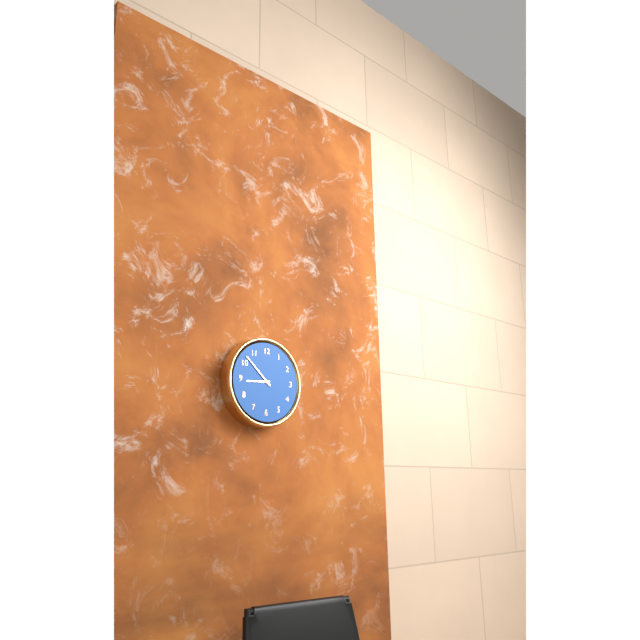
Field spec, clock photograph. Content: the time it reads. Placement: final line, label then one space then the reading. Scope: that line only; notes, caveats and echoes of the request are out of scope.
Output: 8:52
